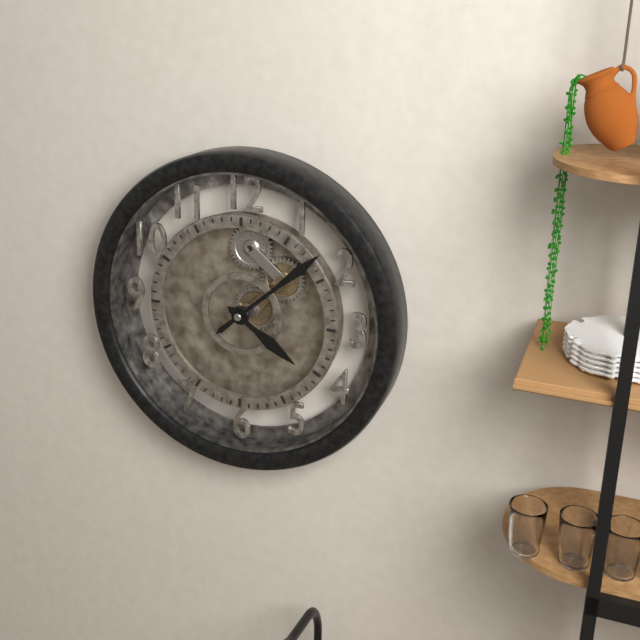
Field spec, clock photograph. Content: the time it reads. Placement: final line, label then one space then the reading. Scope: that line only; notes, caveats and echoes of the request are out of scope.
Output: 4:08
